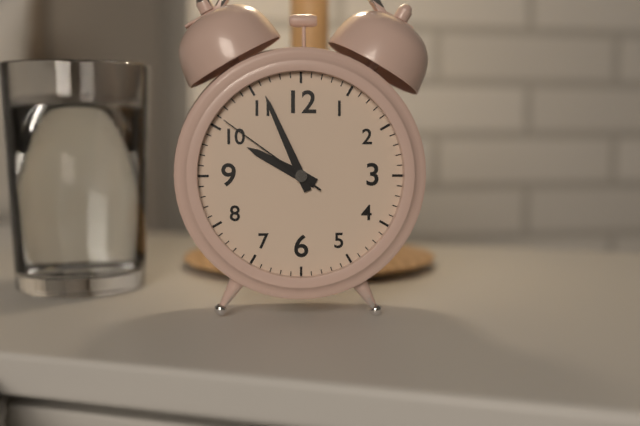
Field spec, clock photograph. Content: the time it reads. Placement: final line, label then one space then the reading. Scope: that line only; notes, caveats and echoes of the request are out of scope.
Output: 9:56:51
